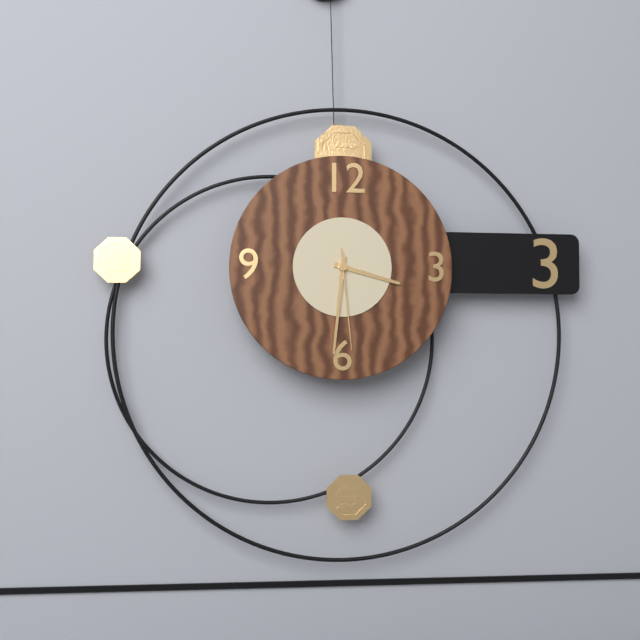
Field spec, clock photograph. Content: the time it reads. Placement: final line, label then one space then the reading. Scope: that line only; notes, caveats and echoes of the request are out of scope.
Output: 3:31:29
